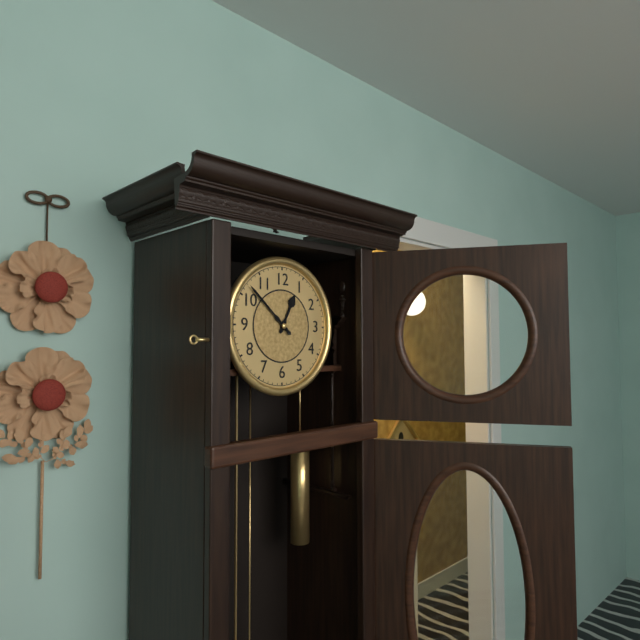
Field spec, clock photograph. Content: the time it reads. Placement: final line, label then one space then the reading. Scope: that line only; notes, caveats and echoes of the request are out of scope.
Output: 12:52
